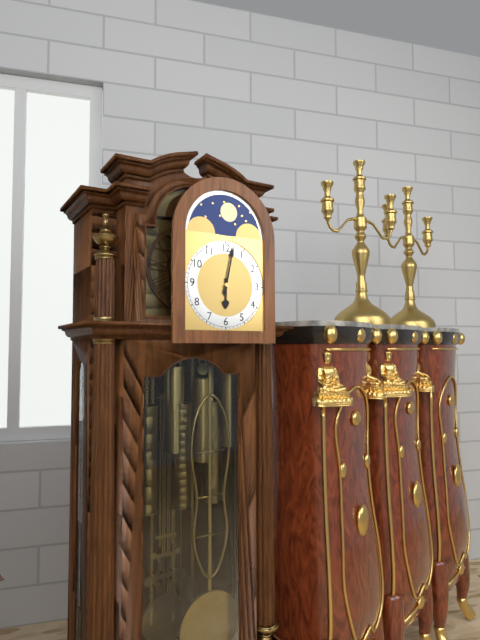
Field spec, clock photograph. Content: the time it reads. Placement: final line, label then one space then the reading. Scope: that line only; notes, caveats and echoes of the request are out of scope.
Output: 6:02
